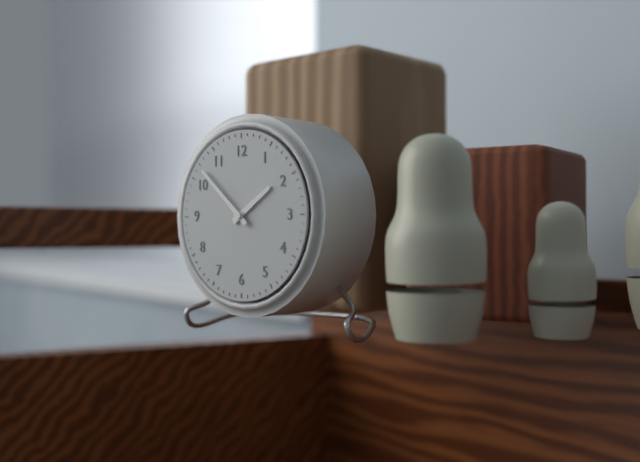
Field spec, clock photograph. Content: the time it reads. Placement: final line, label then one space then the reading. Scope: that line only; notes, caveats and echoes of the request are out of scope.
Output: 1:52
